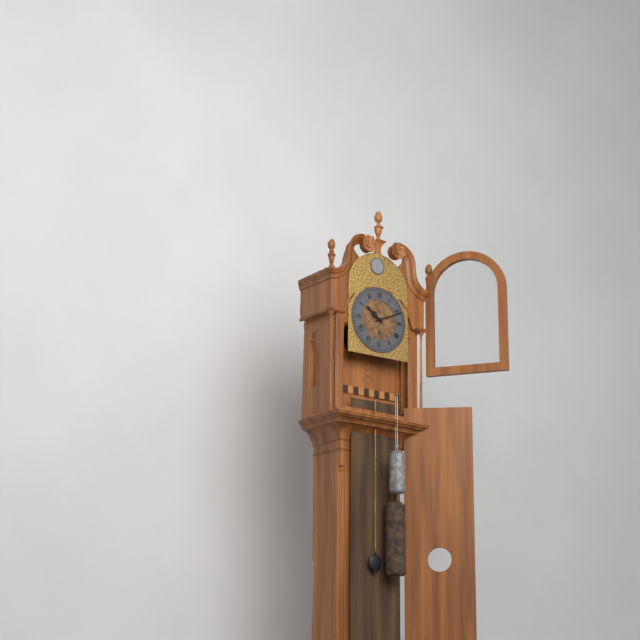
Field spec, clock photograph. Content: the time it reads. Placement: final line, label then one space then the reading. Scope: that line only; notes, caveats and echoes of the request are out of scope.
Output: 10:11
